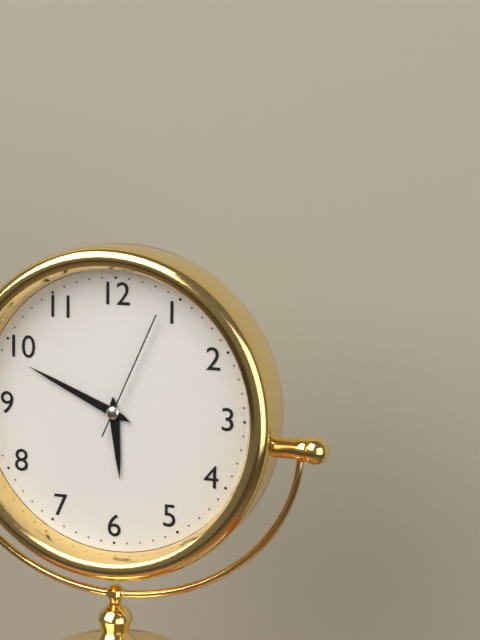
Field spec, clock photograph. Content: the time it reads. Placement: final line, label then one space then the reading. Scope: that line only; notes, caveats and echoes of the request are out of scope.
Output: 5:49:04
